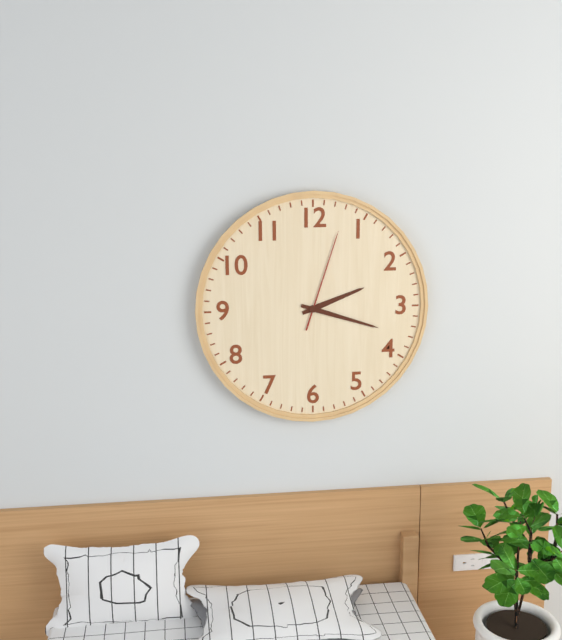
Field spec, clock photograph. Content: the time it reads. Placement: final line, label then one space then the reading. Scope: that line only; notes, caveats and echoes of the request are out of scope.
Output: 2:18:03
